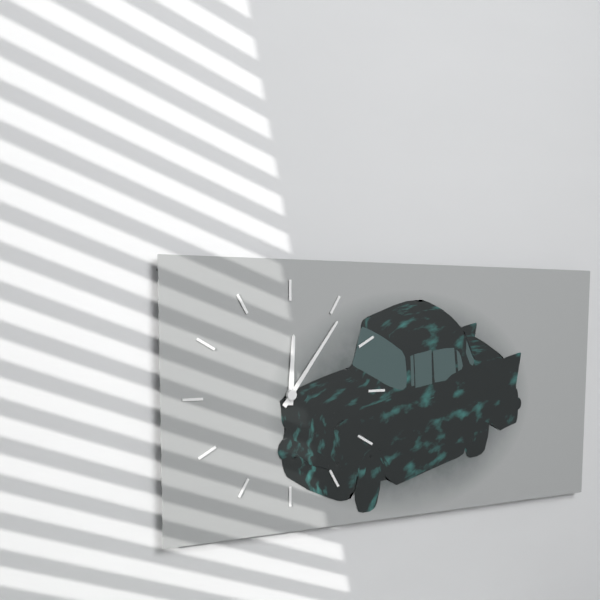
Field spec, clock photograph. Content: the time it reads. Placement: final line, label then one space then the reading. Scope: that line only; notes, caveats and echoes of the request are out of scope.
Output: 12:06
